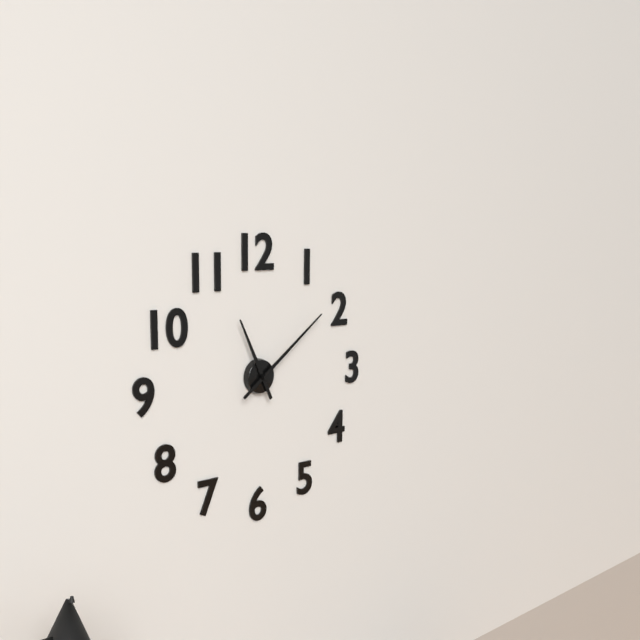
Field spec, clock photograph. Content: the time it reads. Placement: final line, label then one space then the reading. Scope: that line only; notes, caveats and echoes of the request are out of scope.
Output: 11:09
